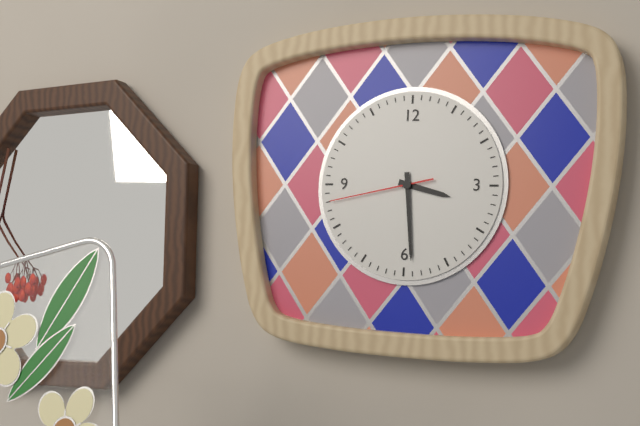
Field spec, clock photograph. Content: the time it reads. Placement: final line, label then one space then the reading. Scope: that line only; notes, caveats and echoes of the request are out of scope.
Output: 3:29:43
